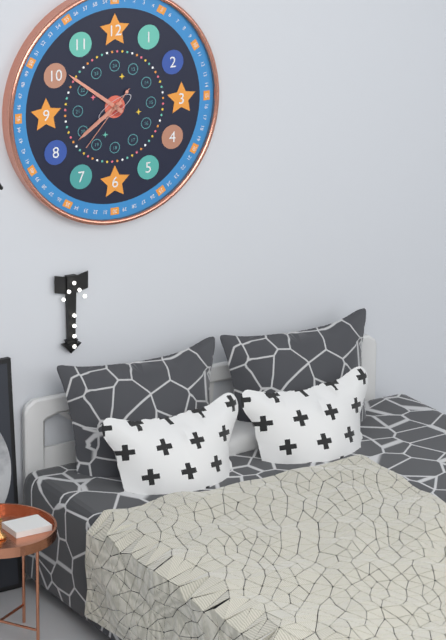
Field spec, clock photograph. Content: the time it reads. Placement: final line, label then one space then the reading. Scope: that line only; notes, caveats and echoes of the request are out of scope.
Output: 7:51:37
